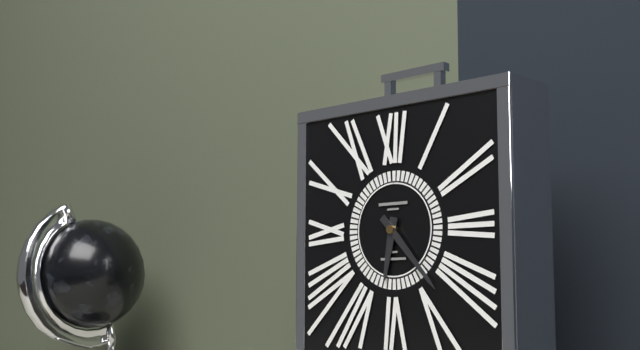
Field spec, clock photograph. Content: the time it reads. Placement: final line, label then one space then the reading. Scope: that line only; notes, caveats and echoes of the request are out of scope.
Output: 6:23
